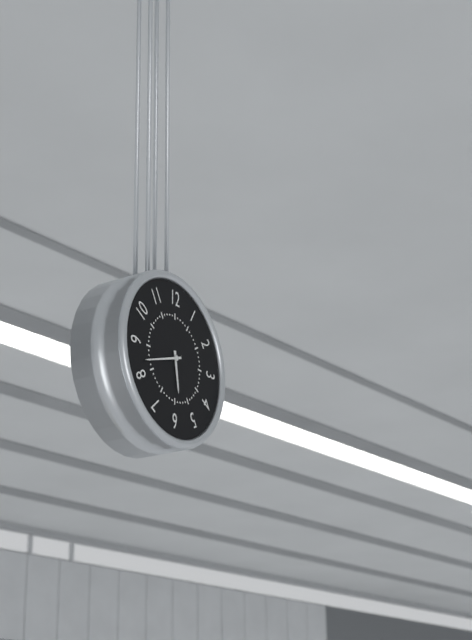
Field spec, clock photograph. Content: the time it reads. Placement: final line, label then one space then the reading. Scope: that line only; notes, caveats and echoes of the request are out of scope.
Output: 5:42
